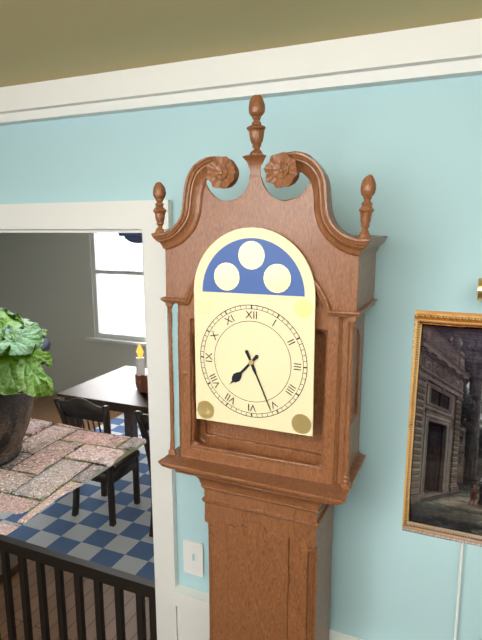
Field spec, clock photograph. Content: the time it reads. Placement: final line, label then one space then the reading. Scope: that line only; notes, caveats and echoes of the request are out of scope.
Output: 7:26
